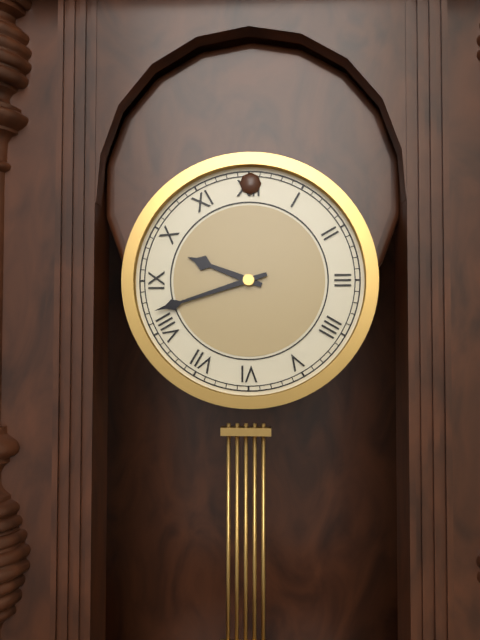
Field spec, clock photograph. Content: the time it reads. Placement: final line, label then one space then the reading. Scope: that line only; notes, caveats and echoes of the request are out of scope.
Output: 9:42
